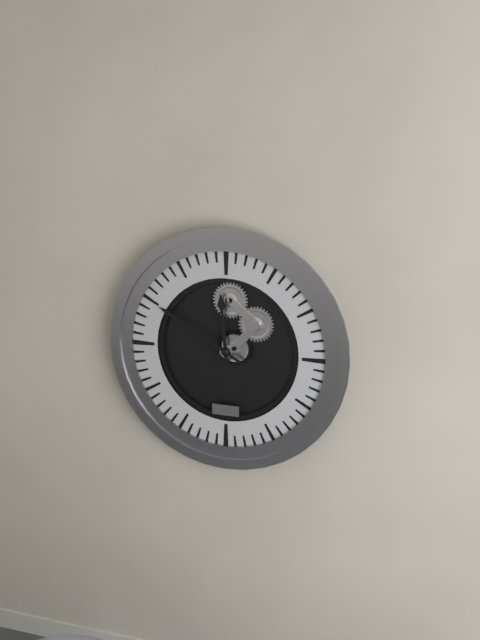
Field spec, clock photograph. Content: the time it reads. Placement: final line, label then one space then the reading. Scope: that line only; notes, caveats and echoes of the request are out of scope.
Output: 11:50
